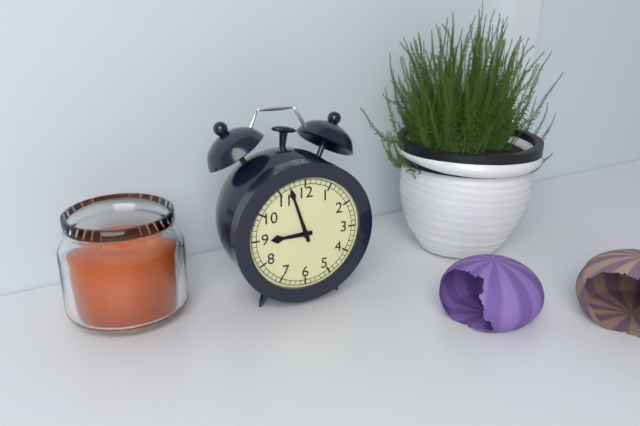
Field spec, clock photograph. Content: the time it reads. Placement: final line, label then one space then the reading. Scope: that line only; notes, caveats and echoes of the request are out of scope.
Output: 8:57
